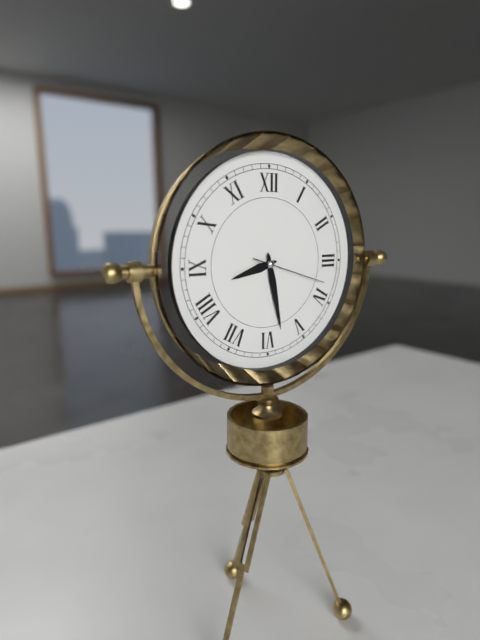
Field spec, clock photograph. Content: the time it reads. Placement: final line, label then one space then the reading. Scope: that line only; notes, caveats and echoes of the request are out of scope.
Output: 8:28:18
